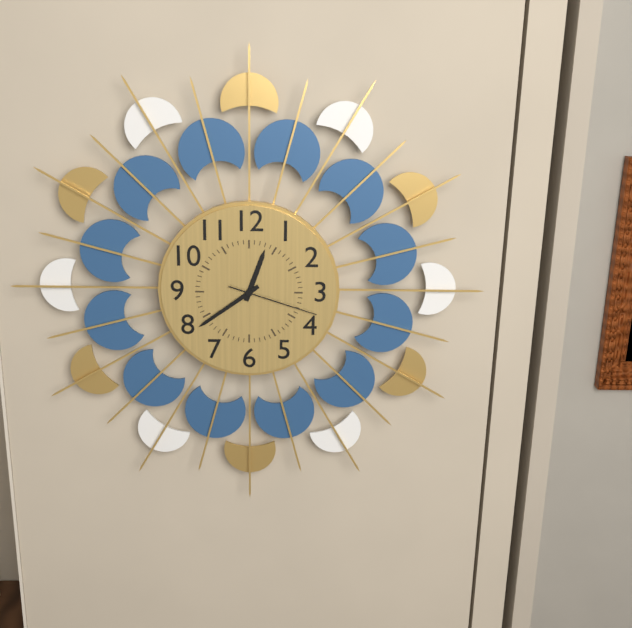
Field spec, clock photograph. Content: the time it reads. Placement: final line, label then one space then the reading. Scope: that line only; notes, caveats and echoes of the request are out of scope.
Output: 12:39:18
